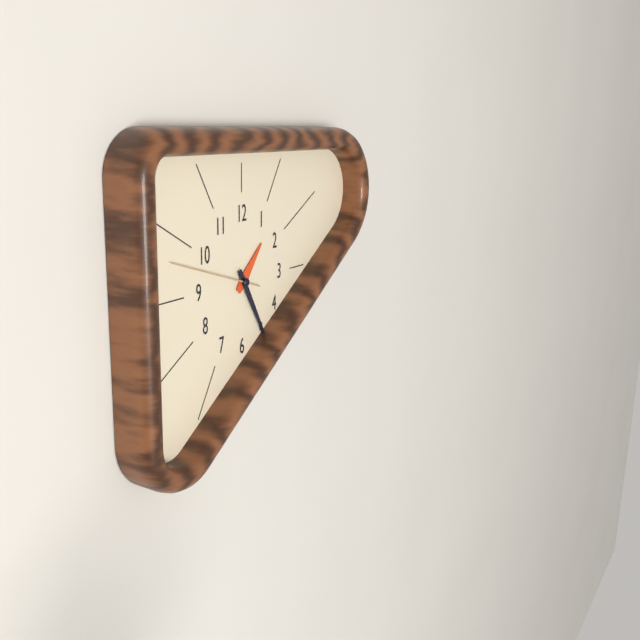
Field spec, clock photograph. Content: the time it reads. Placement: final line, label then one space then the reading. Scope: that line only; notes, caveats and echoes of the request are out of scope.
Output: 1:25:48
